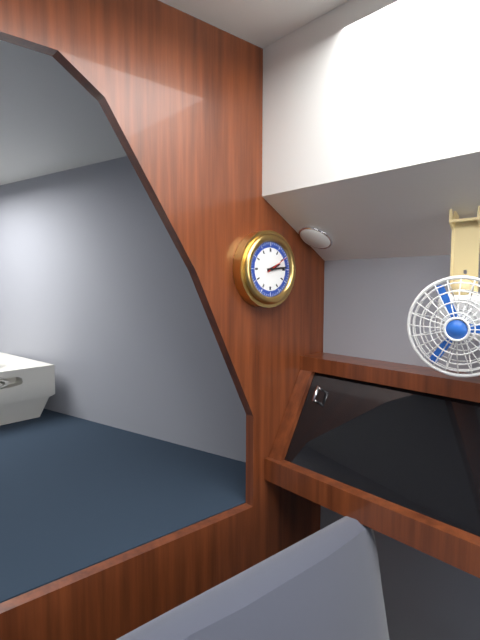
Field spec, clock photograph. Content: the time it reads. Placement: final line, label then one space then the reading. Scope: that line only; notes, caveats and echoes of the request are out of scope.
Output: 2:14
